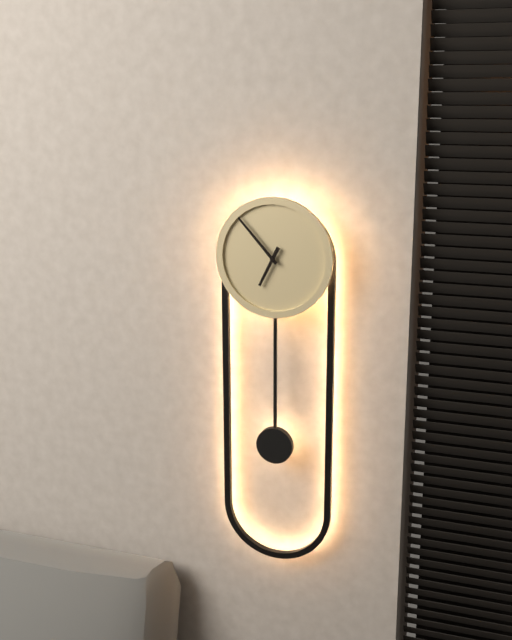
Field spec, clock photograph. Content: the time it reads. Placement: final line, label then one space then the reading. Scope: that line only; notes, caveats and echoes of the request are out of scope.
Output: 6:53
